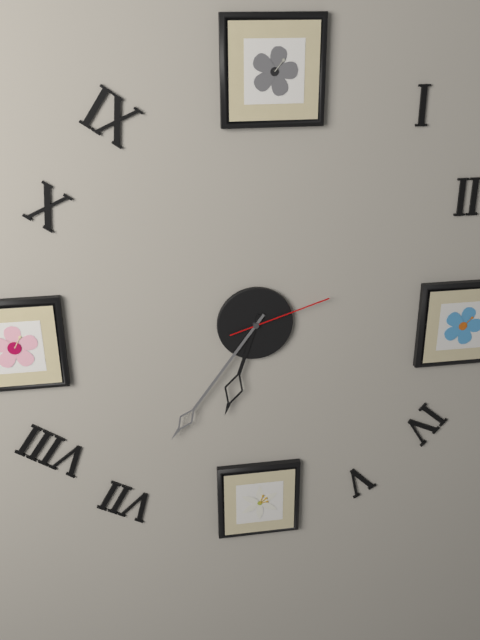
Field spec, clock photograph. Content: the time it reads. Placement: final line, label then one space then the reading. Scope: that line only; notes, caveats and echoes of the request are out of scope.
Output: 6:36:12
